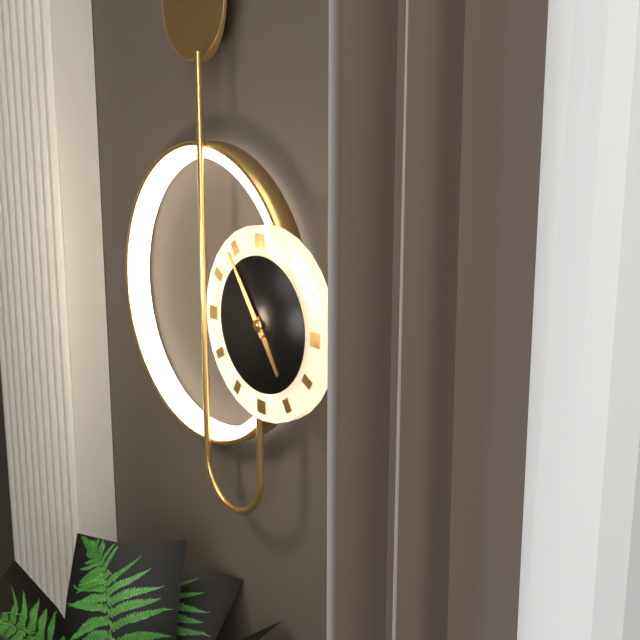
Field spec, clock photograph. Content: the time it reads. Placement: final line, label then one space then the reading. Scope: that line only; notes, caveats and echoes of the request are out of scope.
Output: 4:54
